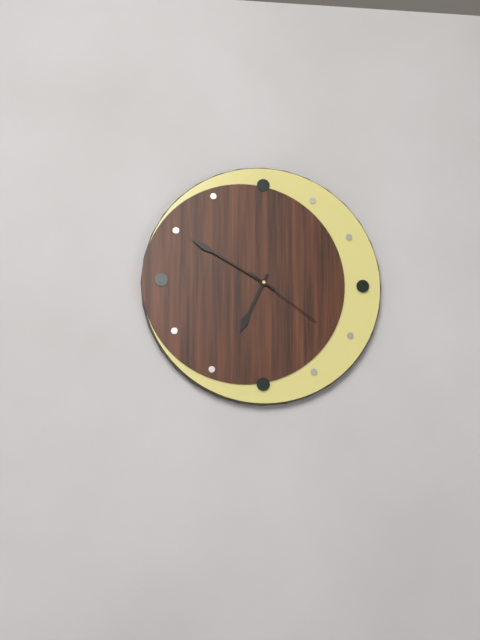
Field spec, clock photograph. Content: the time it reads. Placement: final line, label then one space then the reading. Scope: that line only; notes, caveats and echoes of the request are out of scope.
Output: 6:50:21
